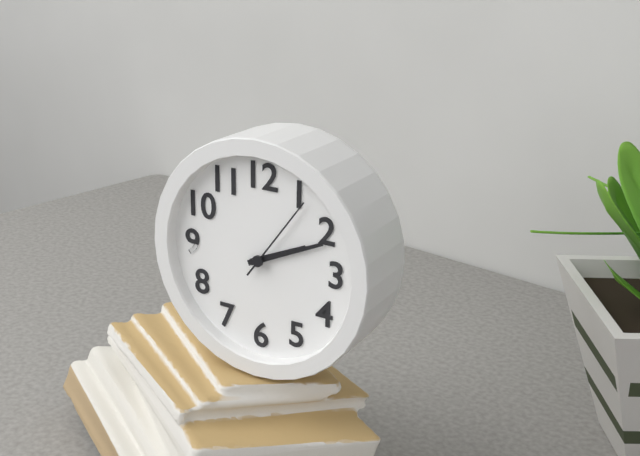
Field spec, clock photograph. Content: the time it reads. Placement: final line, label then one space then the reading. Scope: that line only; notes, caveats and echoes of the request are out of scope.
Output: 2:11:06
